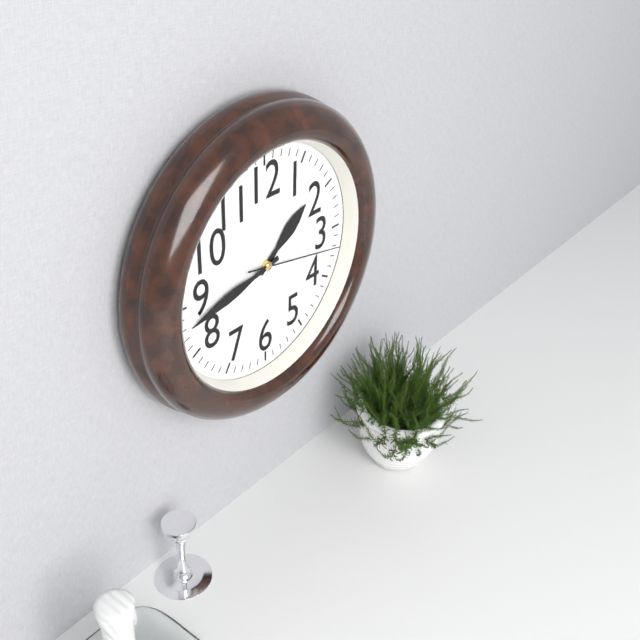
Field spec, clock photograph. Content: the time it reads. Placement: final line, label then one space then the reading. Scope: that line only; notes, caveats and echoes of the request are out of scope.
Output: 1:43:17
